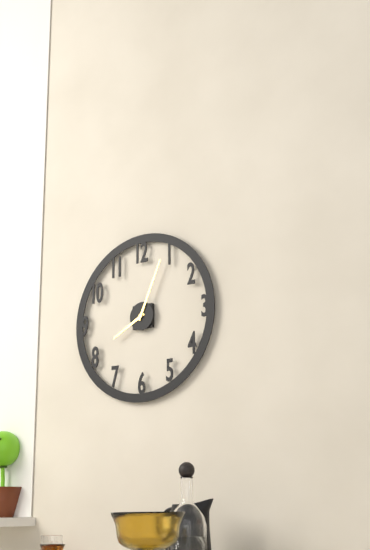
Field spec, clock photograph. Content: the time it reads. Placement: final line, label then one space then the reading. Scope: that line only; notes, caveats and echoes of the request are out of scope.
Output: 8:04
